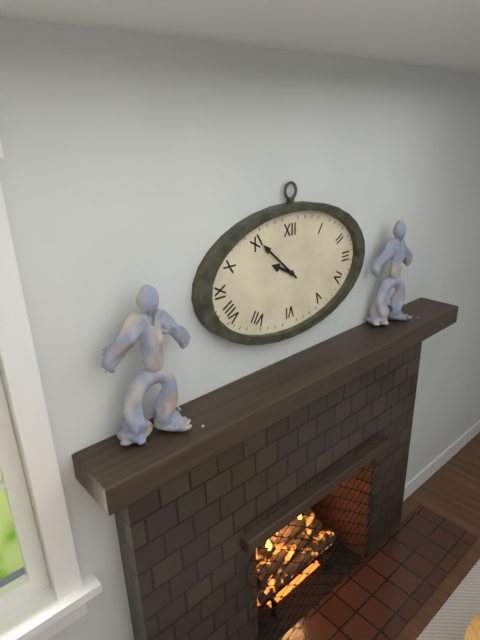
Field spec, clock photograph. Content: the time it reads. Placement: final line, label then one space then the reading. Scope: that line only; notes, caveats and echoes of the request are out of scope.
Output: 9:52
